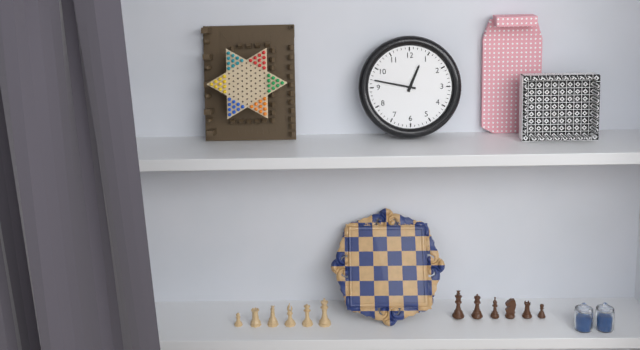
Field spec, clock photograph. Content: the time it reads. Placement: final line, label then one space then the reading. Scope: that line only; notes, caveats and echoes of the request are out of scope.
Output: 12:47
